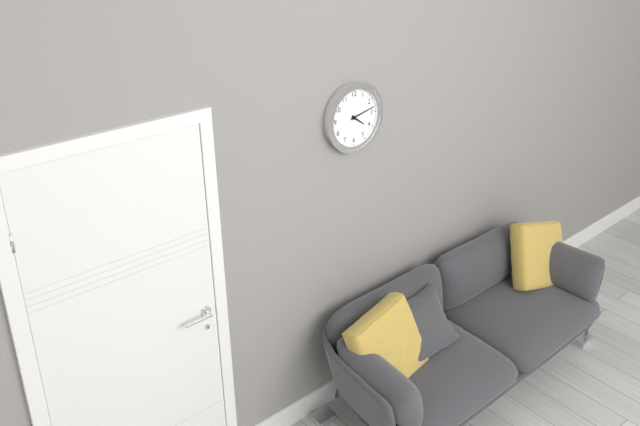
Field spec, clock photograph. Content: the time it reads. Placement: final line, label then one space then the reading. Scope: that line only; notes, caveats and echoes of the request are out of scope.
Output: 4:13
